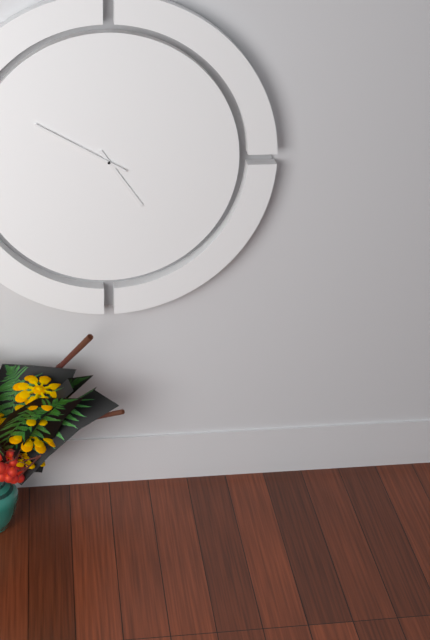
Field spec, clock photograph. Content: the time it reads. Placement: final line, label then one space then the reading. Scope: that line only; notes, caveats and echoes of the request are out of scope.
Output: 4:50
